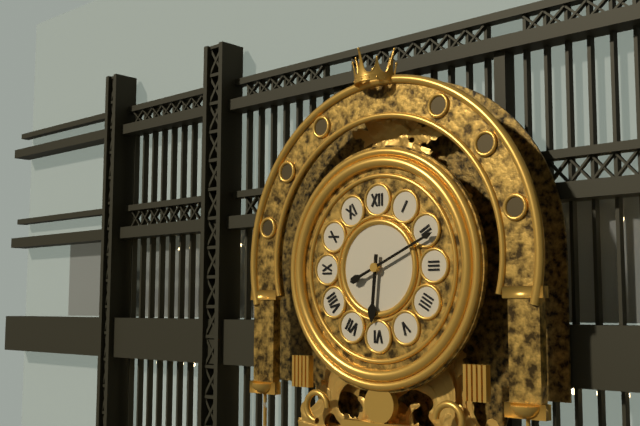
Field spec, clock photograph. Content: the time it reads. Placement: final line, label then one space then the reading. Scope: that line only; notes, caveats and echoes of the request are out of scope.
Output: 6:11
